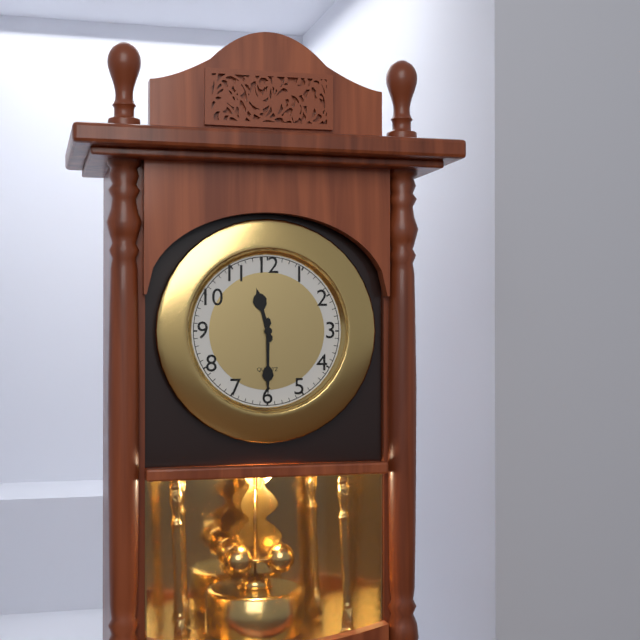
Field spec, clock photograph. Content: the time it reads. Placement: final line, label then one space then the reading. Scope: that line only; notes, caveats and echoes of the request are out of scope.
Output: 11:30
